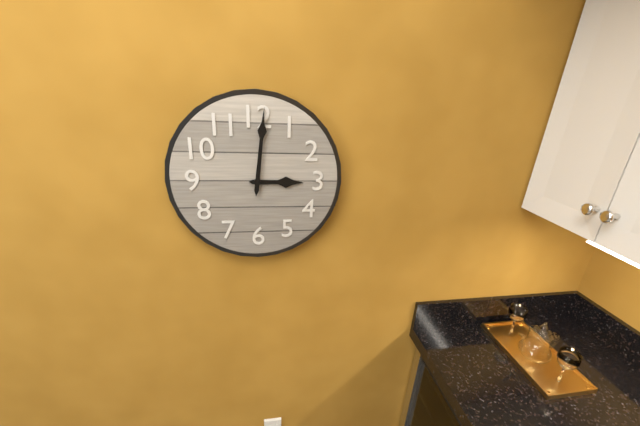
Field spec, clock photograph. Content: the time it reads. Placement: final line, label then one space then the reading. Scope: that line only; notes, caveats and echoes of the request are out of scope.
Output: 3:01
